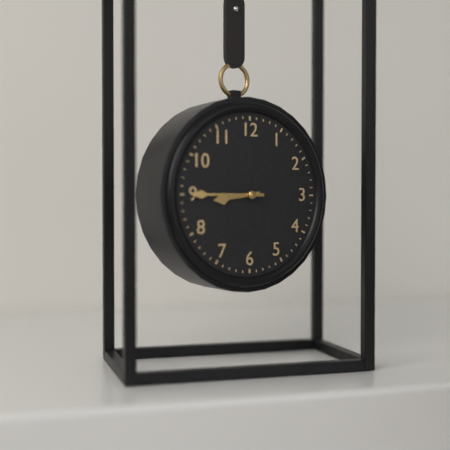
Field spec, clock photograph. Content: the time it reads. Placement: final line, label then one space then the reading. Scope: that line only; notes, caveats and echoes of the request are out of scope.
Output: 8:45
